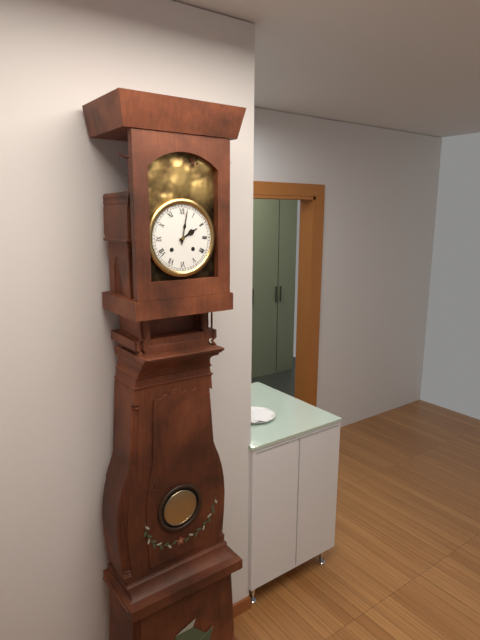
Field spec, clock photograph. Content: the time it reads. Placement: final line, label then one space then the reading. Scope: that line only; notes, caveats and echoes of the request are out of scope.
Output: 2:02
